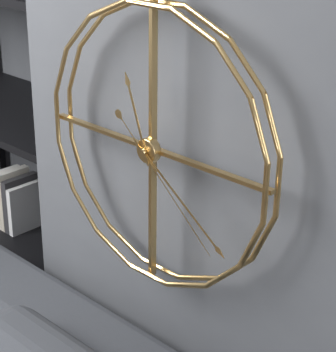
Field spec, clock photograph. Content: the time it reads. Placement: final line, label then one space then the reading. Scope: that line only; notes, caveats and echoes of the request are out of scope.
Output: 11:21:22
